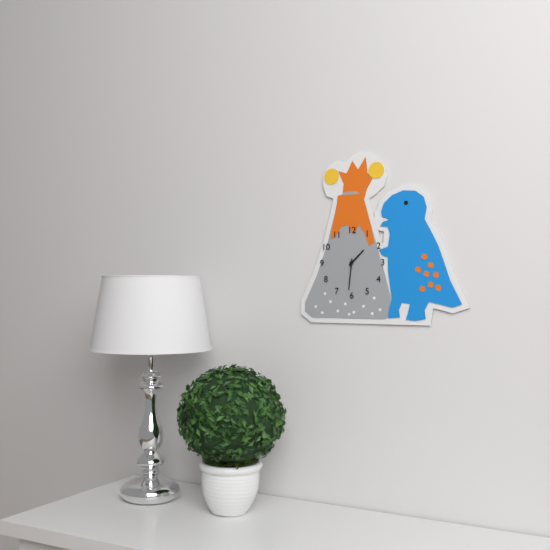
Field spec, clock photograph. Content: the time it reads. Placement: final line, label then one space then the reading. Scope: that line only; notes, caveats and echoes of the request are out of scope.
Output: 1:31
